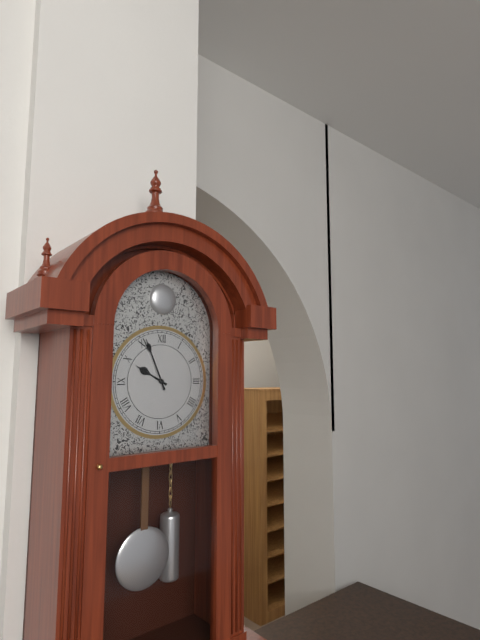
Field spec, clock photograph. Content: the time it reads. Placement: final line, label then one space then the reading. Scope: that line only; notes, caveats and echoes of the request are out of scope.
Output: 9:56
